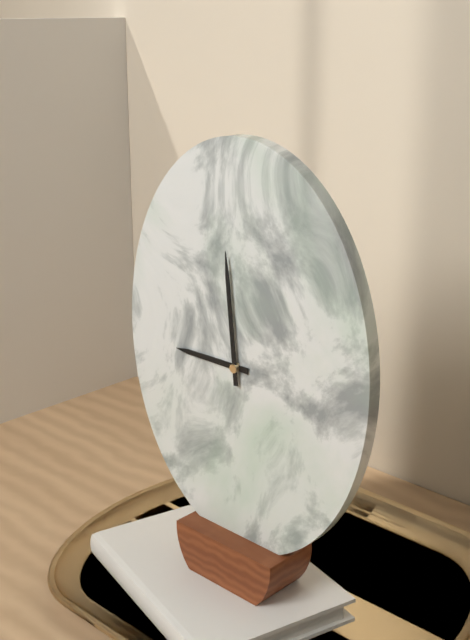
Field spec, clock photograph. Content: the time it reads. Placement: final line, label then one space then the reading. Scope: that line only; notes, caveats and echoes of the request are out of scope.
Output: 8:59
